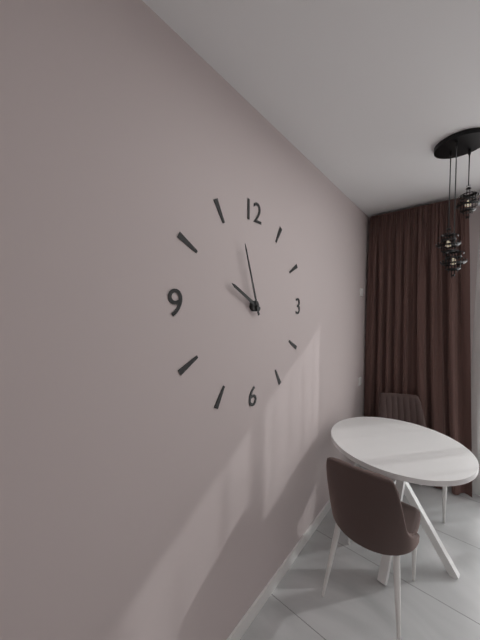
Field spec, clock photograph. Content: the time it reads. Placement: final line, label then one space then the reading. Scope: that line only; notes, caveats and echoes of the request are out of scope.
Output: 9:57
